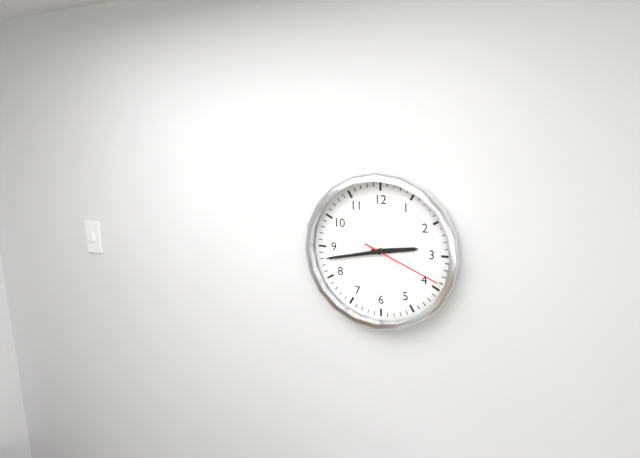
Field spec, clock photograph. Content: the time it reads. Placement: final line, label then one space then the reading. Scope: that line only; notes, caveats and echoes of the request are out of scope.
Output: 2:43:19
